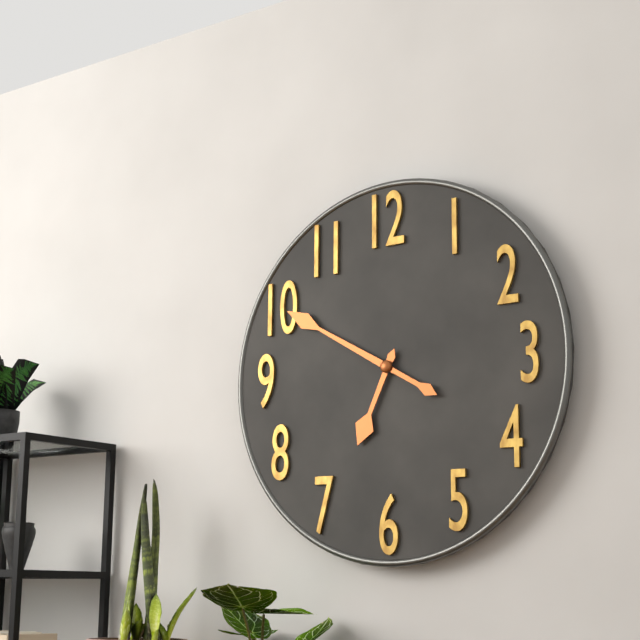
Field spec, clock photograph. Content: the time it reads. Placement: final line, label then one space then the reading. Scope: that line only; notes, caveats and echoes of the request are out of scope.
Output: 6:50
